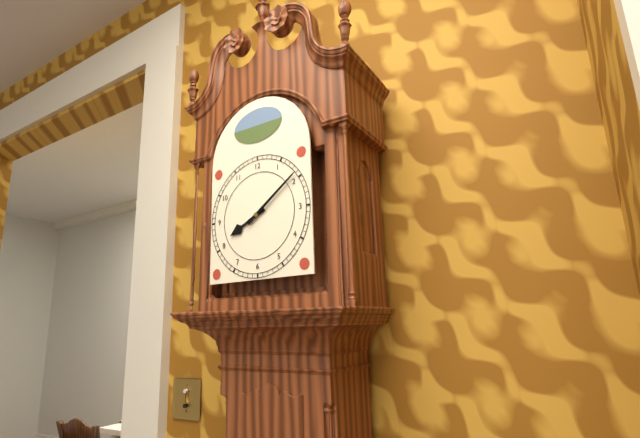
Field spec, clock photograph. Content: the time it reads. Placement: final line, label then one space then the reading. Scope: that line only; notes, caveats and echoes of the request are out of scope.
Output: 8:09
